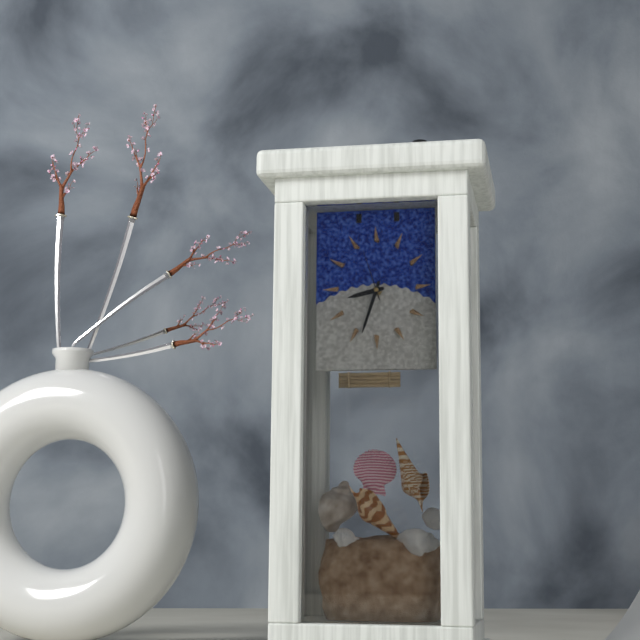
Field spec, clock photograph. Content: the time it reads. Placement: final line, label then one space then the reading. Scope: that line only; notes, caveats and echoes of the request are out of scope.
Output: 8:33:57
